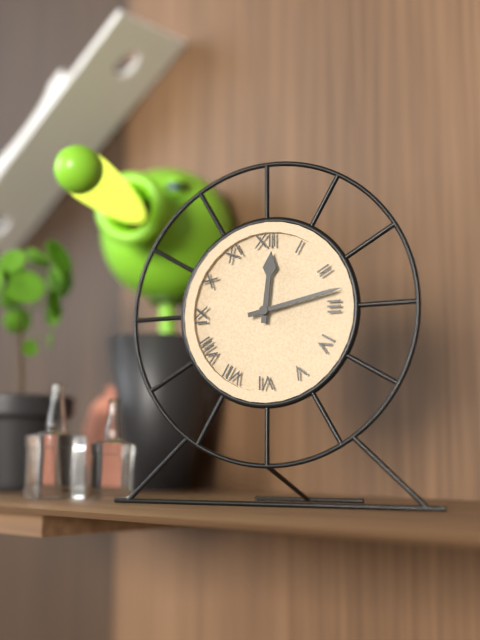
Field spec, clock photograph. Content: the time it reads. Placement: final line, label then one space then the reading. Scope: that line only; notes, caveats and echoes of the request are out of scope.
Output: 12:13
